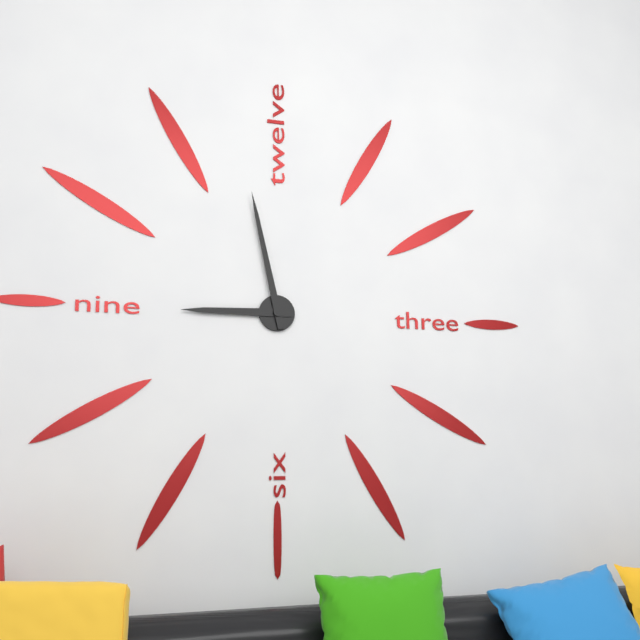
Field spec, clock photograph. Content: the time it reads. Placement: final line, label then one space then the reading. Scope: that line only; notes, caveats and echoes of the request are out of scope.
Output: 8:58
